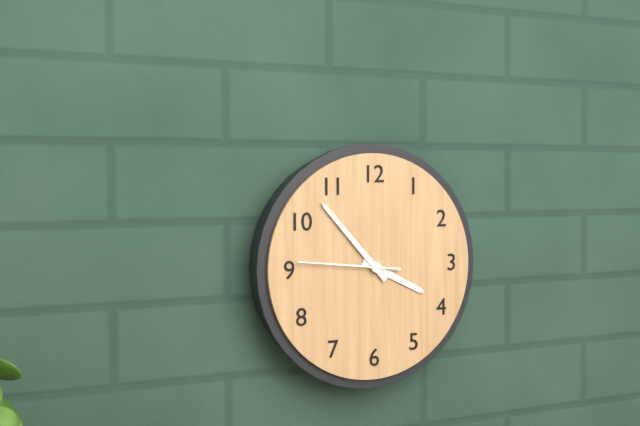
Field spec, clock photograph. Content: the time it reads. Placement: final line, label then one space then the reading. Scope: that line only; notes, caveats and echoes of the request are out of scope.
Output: 3:53:46
